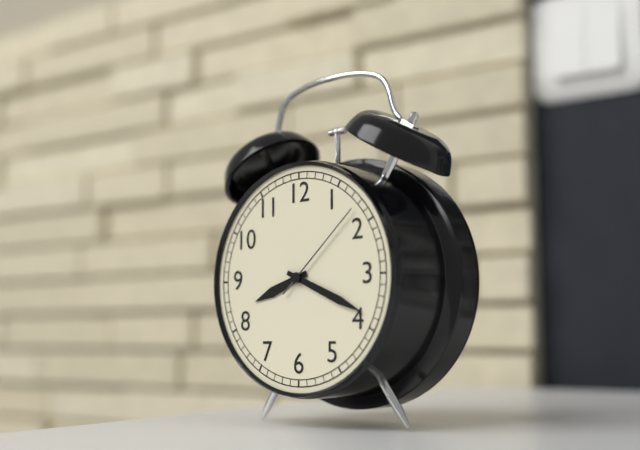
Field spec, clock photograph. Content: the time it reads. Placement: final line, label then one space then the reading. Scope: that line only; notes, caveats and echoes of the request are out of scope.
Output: 8:19:08
